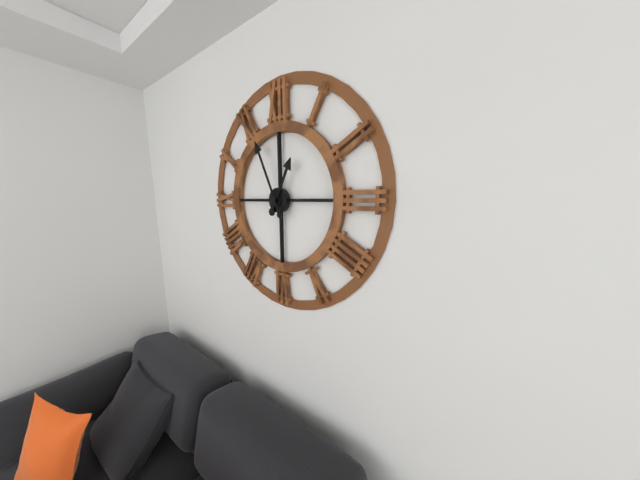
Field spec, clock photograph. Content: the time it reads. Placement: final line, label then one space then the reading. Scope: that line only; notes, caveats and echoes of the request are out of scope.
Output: 12:56
